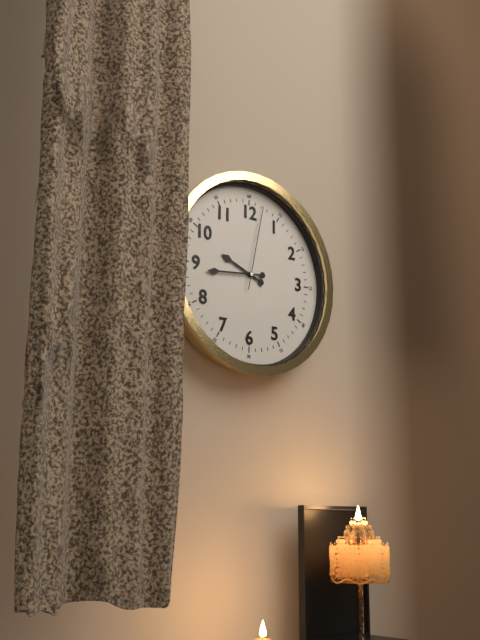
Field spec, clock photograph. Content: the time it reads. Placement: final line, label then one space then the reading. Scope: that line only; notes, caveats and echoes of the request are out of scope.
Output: 9:44:02
